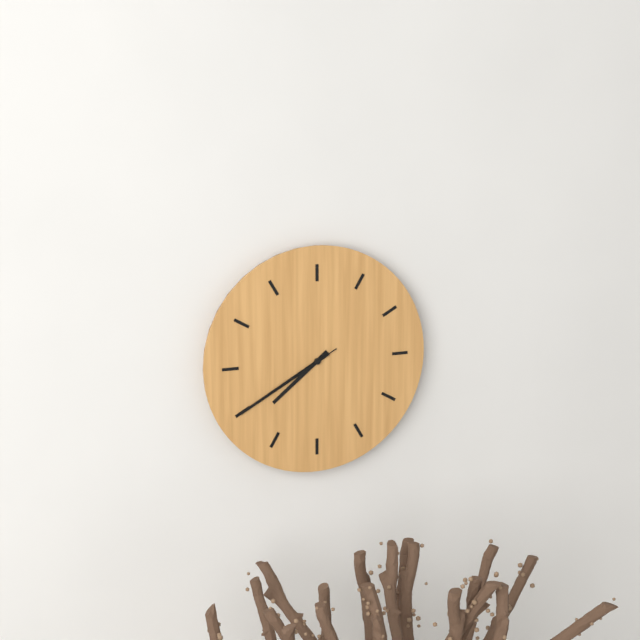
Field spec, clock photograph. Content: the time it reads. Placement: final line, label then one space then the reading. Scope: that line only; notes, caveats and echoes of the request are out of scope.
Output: 7:40:40
